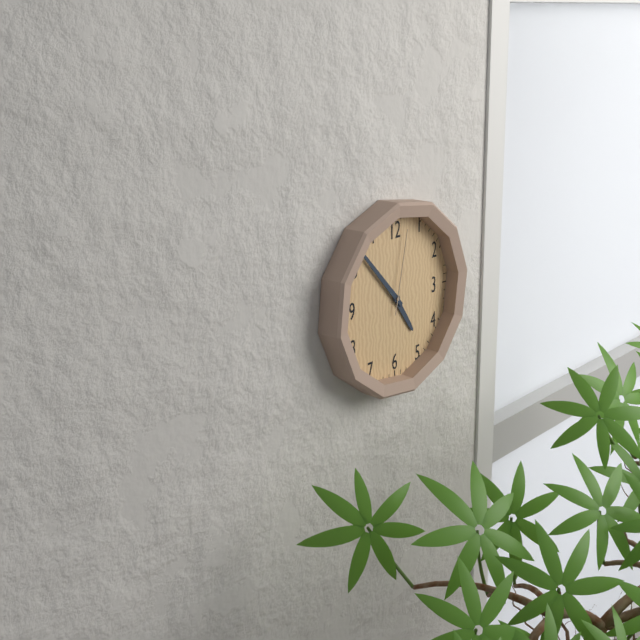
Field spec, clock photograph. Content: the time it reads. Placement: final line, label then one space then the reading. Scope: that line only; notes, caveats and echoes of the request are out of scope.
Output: 4:53:02
